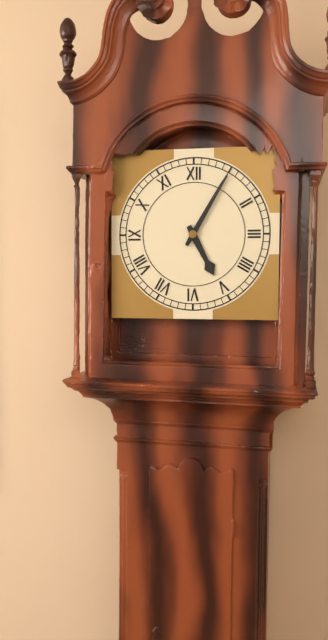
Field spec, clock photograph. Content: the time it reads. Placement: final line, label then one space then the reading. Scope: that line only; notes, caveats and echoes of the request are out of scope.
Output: 5:05
